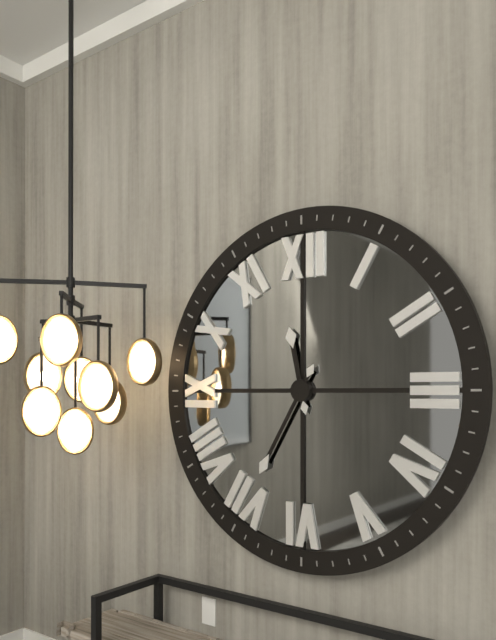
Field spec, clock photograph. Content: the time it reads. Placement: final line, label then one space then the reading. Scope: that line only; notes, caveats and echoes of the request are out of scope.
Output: 11:35
